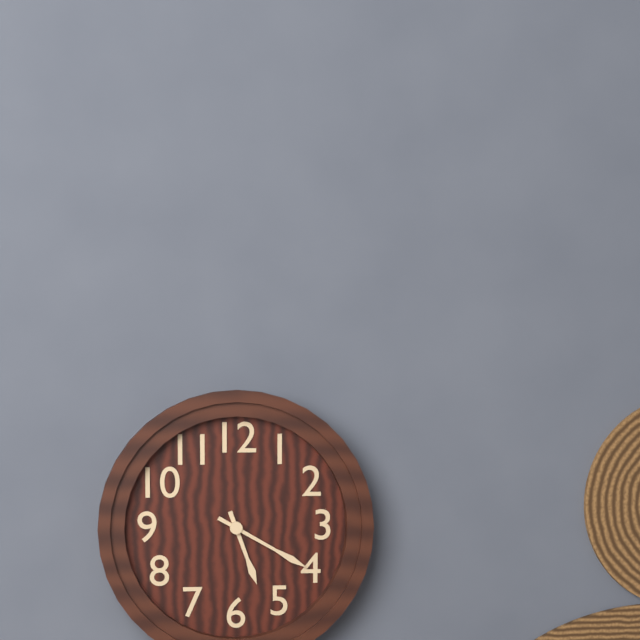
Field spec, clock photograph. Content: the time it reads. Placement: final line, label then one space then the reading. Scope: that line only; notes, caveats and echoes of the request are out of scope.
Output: 5:20
